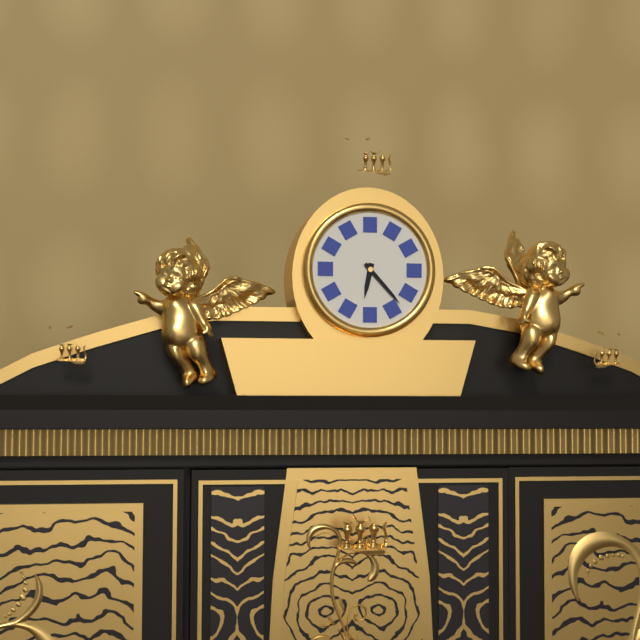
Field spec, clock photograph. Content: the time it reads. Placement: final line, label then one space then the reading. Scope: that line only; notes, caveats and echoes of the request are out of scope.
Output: 6:23
